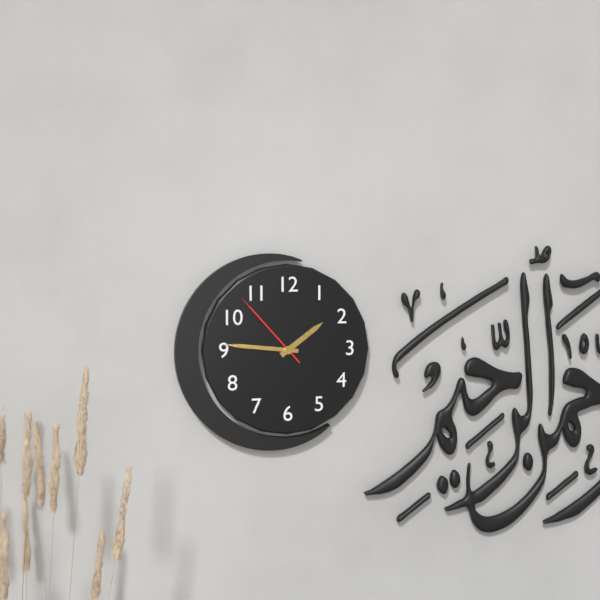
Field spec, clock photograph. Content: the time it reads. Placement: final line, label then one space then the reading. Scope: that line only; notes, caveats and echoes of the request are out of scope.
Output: 1:46:53
